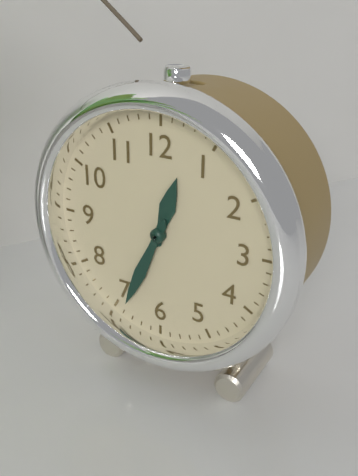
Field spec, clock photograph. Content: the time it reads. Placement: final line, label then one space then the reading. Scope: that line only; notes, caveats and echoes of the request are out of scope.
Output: 12:34
